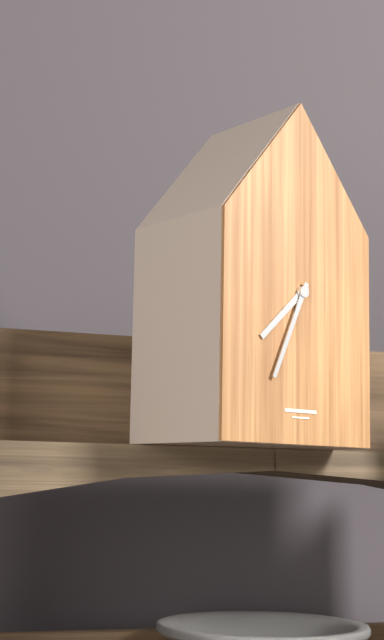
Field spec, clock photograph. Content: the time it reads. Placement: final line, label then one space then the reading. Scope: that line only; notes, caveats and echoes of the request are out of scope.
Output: 7:34
